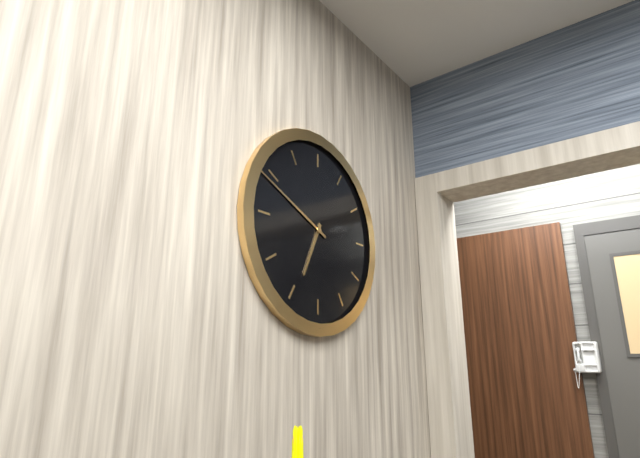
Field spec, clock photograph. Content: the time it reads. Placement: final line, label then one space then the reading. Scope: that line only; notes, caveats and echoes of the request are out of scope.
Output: 6:49
